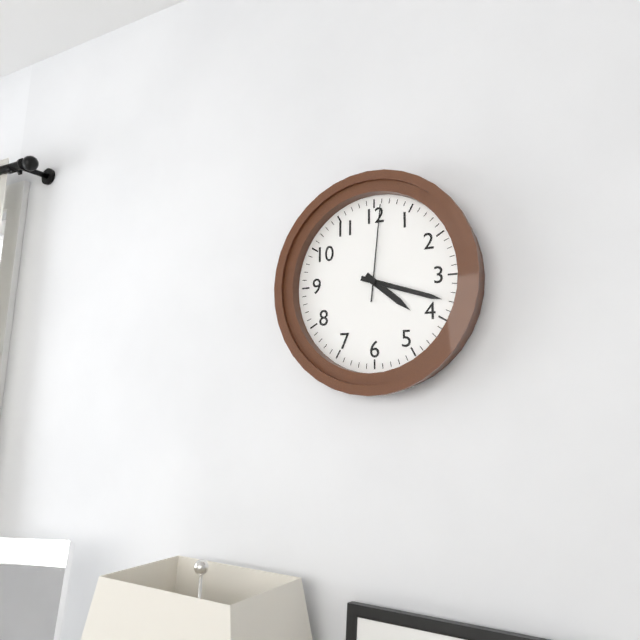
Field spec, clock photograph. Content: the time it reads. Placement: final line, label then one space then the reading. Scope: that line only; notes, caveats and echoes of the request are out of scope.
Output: 4:18:01
